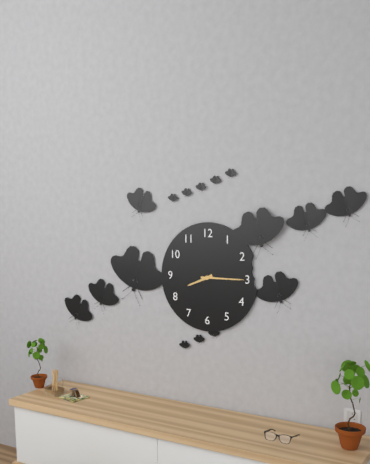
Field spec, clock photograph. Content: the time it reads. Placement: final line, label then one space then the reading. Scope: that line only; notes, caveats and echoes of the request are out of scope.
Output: 8:15
